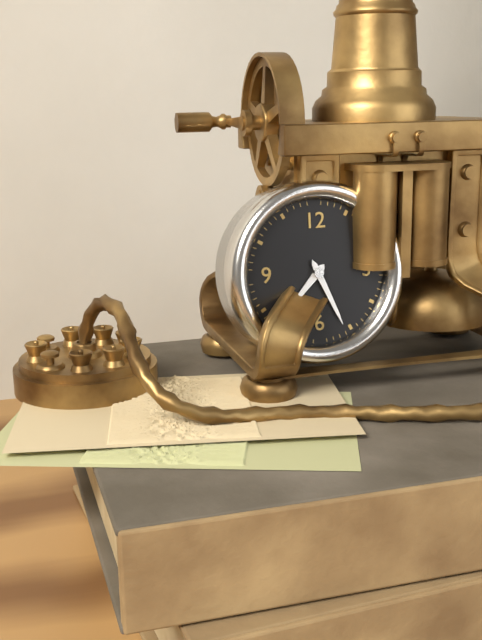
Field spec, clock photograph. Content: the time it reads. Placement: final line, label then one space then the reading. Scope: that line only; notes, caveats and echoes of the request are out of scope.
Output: 7:26
